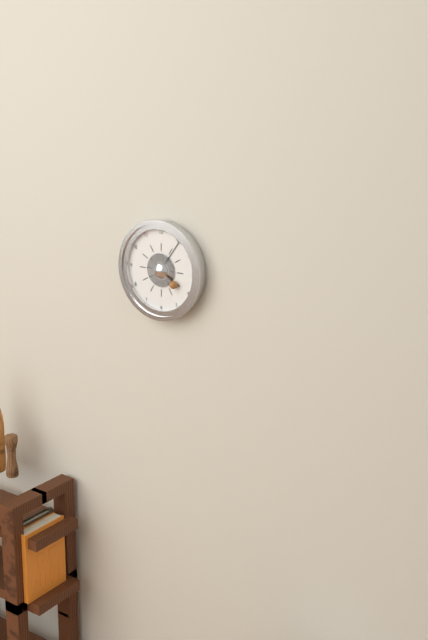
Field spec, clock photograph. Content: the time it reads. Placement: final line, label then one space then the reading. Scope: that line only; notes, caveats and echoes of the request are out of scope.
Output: 4:06
